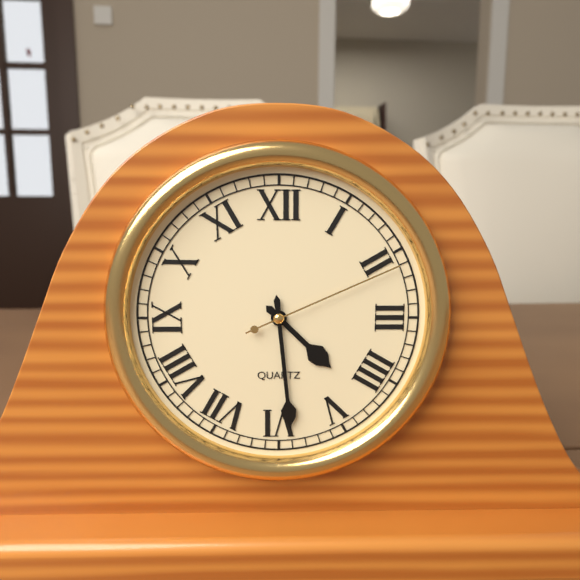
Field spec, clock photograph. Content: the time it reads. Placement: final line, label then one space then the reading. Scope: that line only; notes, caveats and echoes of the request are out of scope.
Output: 4:29:11
